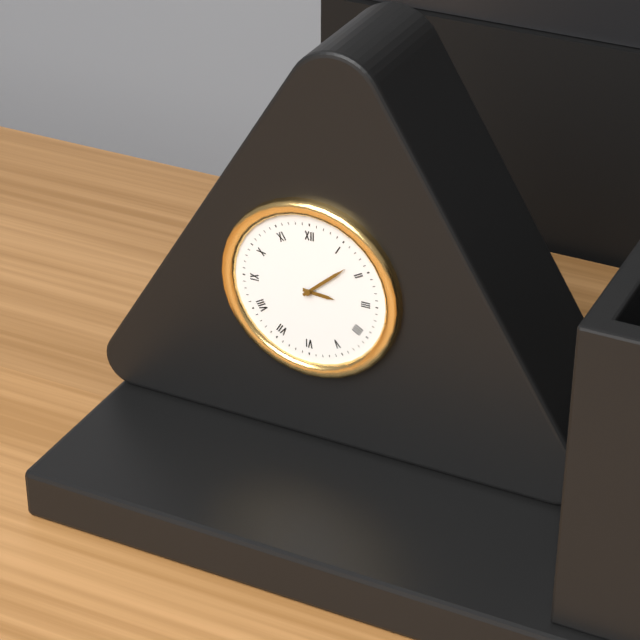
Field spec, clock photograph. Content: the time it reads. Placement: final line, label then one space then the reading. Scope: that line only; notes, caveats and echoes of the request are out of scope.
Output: 3:08
